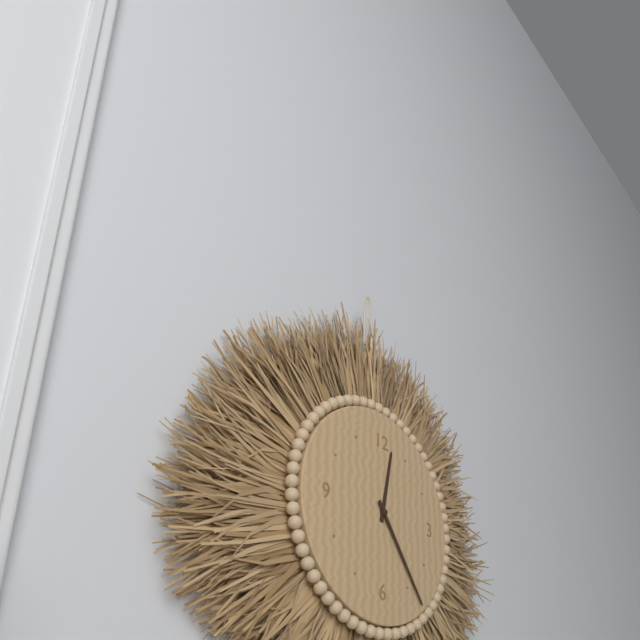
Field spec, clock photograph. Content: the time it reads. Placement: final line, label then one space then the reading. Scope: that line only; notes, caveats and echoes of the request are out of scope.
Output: 12:24
